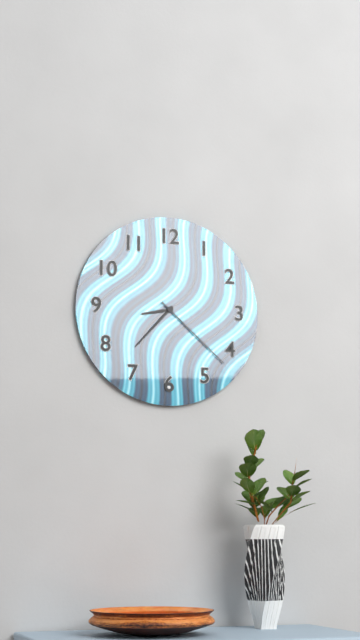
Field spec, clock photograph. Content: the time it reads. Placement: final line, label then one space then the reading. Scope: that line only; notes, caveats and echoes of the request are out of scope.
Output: 8:37:22
